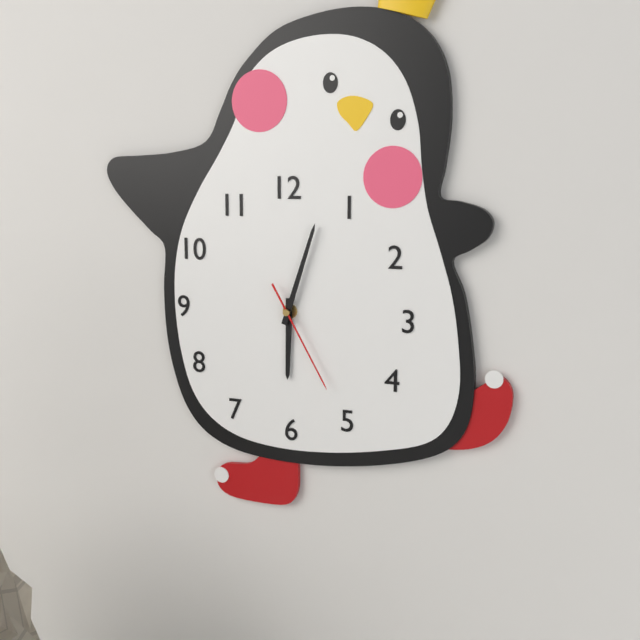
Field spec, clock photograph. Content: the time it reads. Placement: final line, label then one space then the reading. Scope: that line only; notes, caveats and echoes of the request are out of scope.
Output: 6:03:25
